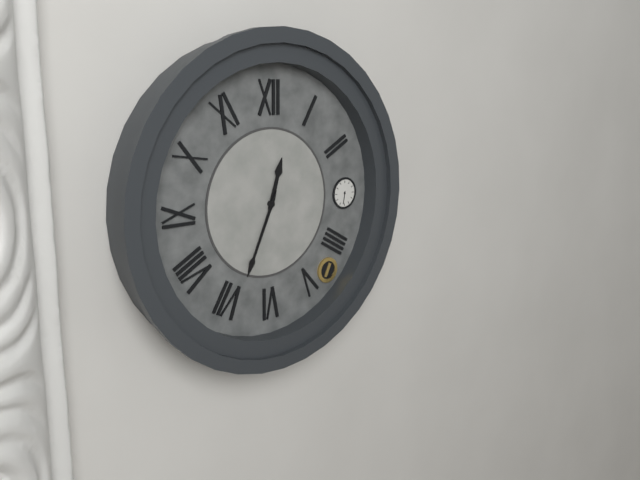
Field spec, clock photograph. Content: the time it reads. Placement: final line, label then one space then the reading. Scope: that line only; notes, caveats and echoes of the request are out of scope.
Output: 12:34
